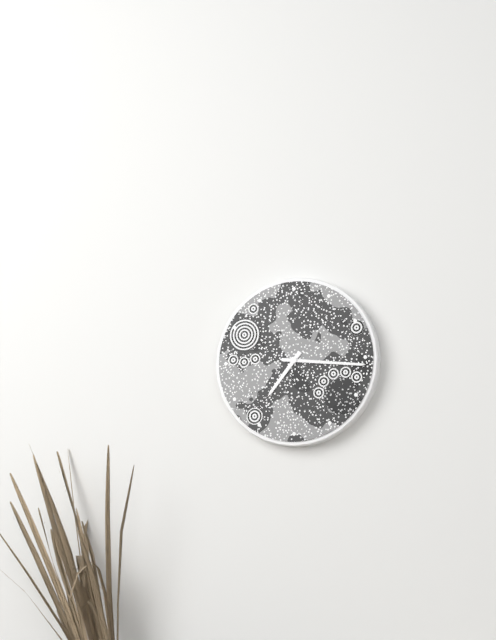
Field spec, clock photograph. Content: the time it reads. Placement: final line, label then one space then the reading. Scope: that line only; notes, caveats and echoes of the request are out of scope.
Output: 7:16
